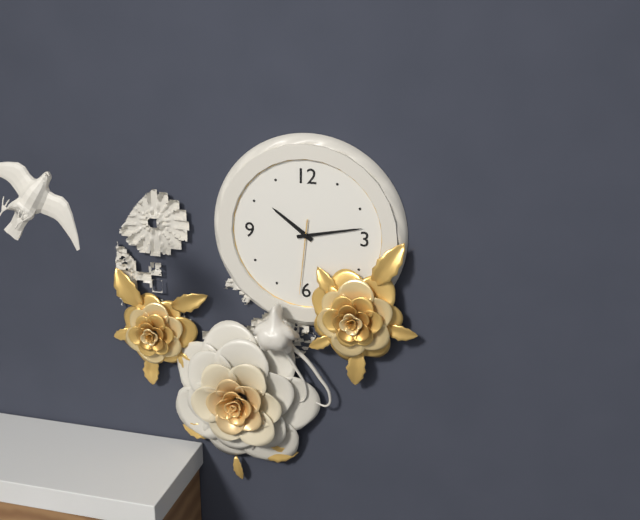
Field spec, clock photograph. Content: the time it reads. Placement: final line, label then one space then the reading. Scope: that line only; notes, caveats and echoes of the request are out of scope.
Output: 10:13:31
